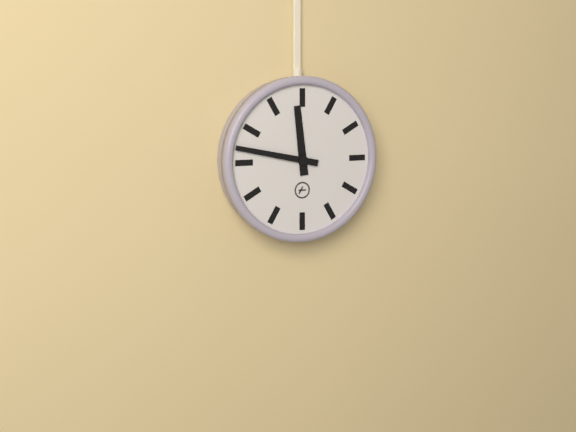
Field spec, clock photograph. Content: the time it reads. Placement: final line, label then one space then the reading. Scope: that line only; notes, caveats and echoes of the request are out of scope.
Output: 11:47
